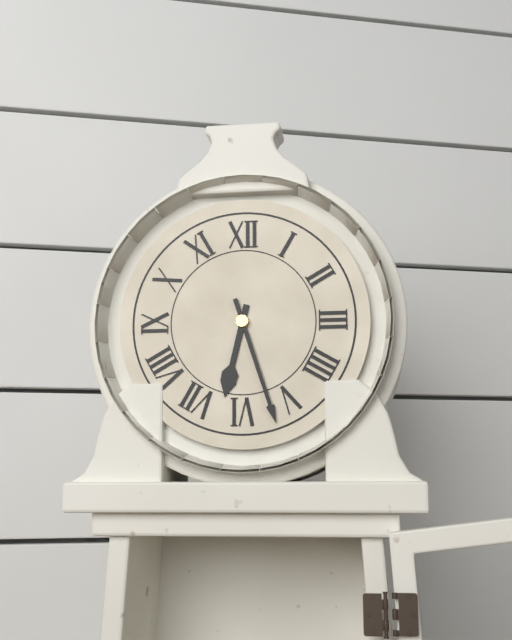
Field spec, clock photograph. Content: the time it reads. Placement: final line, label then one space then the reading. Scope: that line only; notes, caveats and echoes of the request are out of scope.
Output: 6:27
